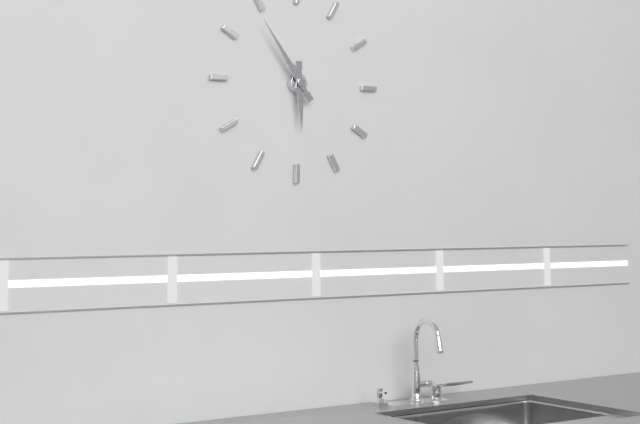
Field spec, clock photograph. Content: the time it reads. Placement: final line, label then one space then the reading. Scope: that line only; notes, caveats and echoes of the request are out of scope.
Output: 5:54
